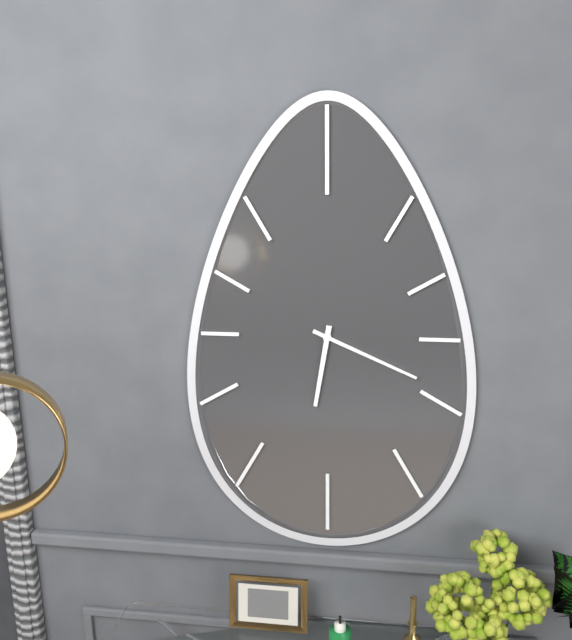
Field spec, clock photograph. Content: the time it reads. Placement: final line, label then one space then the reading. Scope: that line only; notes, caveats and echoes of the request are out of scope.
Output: 6:19
